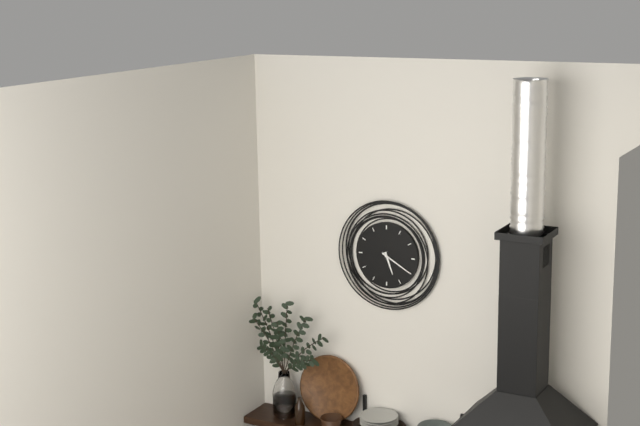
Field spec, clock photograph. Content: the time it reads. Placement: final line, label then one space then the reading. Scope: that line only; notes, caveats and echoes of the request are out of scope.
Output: 5:20
